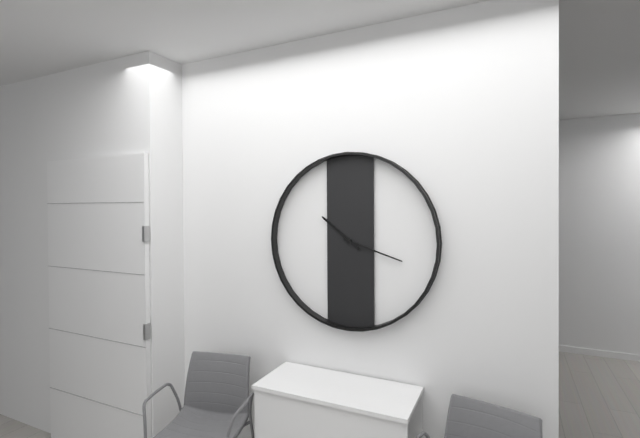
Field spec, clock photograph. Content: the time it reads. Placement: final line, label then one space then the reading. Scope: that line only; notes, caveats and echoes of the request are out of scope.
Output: 10:18
